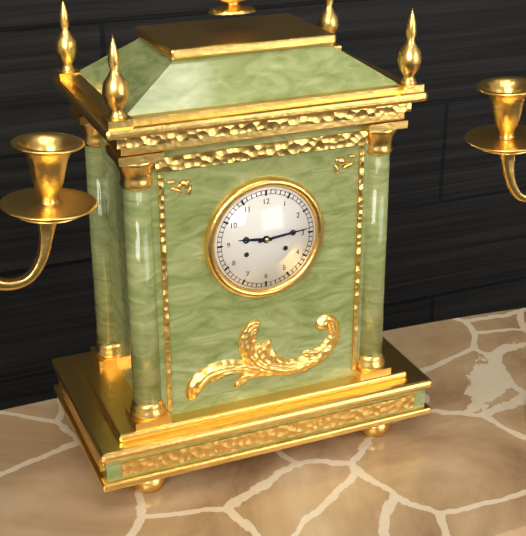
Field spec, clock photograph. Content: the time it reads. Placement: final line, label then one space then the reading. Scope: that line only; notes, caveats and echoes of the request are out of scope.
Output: 9:14
